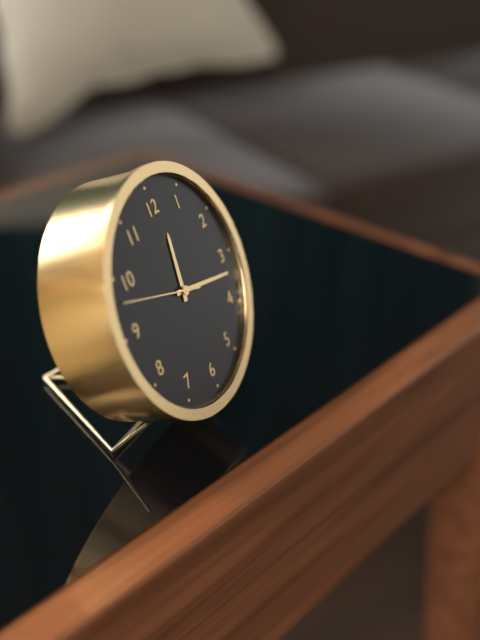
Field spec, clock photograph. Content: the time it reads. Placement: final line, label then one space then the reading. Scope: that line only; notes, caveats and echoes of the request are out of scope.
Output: 12:17:48
